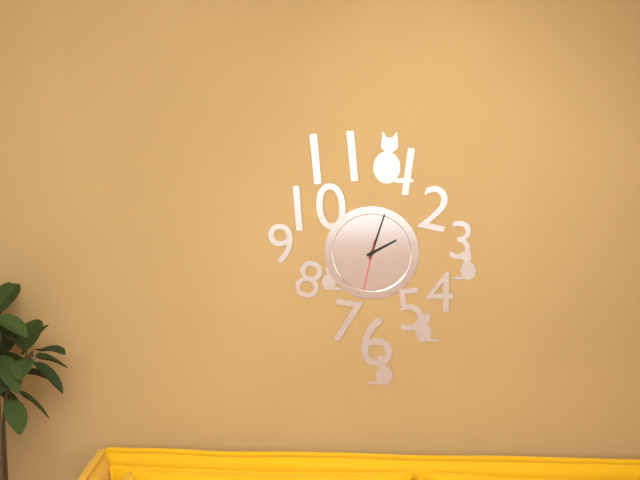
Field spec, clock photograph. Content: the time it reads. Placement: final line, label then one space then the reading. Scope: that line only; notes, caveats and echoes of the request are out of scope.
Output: 2:03:32
